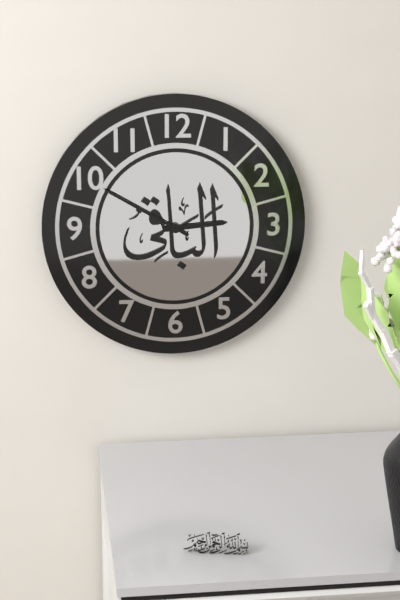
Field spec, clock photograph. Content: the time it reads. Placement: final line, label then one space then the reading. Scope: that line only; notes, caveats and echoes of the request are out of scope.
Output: 2:50
